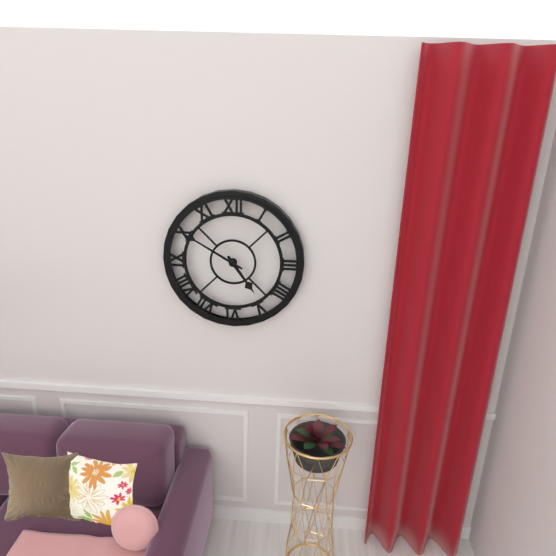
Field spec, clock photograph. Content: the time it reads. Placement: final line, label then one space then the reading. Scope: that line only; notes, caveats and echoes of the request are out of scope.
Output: 4:50
